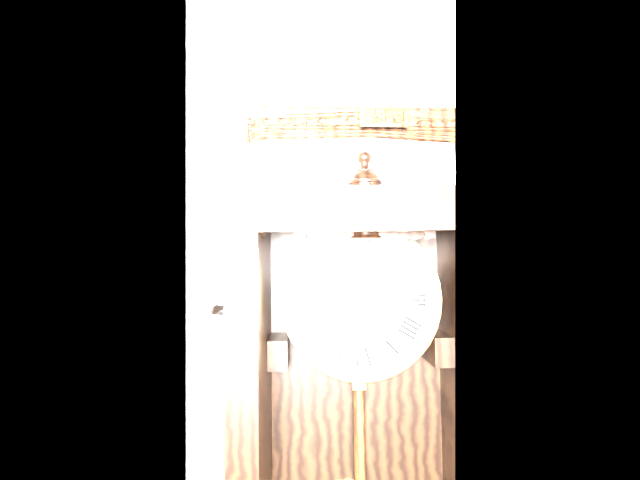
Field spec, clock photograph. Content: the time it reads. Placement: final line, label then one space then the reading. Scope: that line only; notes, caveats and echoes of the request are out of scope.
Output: 11:07
